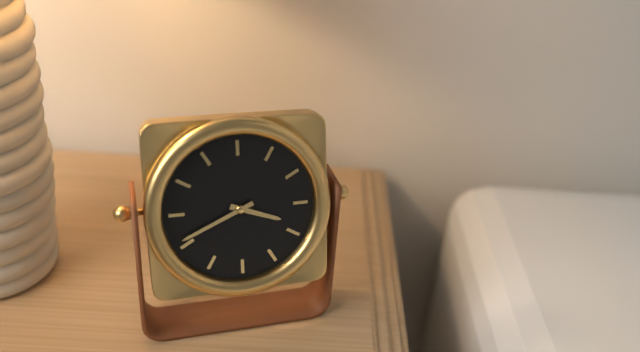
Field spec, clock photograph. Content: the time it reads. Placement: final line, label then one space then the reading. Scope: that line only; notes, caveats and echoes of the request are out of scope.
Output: 3:41
